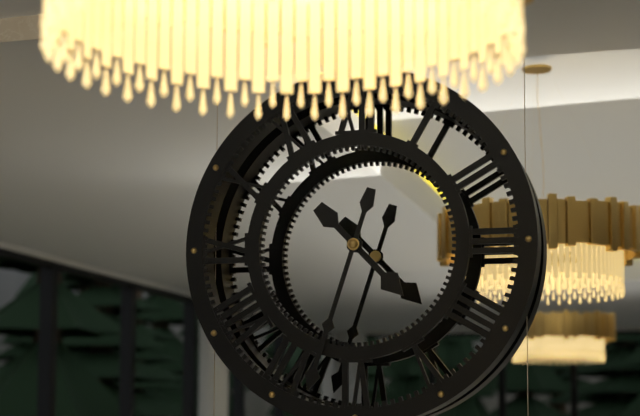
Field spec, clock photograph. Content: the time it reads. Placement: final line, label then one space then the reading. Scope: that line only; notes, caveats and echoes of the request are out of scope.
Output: 4:33
